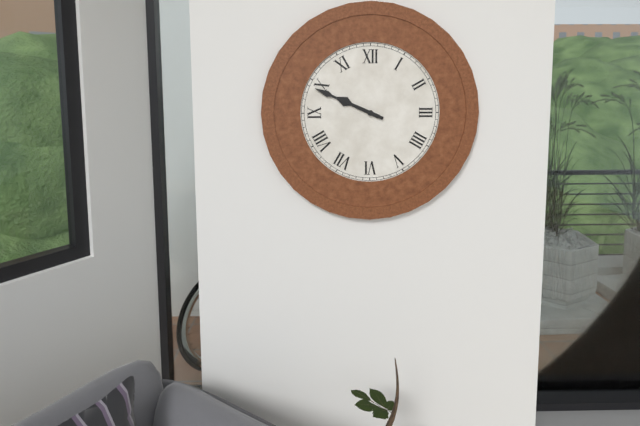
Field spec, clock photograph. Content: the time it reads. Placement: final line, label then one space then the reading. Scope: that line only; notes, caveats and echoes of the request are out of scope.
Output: 9:49
